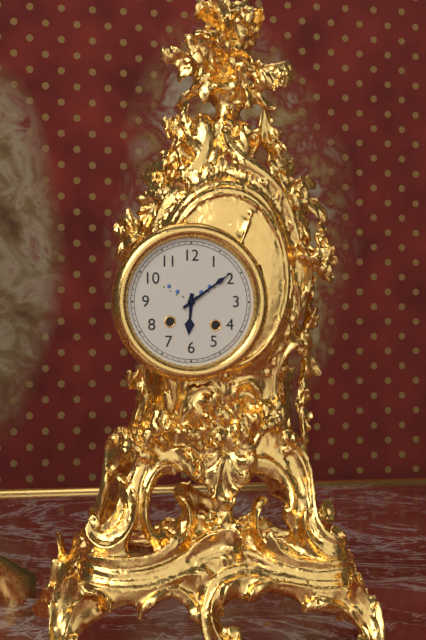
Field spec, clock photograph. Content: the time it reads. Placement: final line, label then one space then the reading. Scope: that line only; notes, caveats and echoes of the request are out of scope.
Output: 6:09
